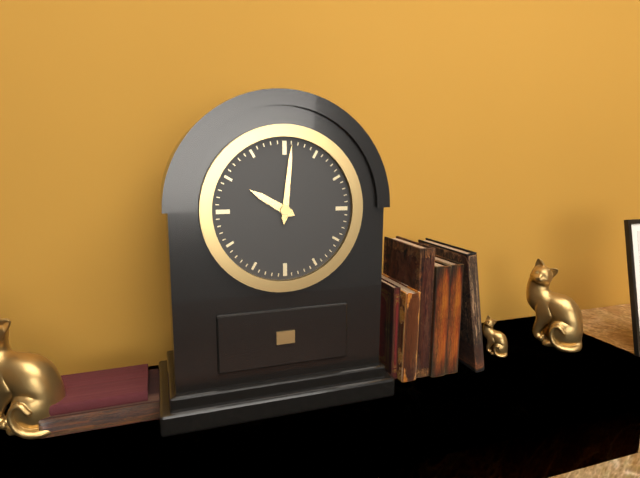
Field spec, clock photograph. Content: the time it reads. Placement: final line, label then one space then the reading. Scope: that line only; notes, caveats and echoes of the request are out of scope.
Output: 10:01
